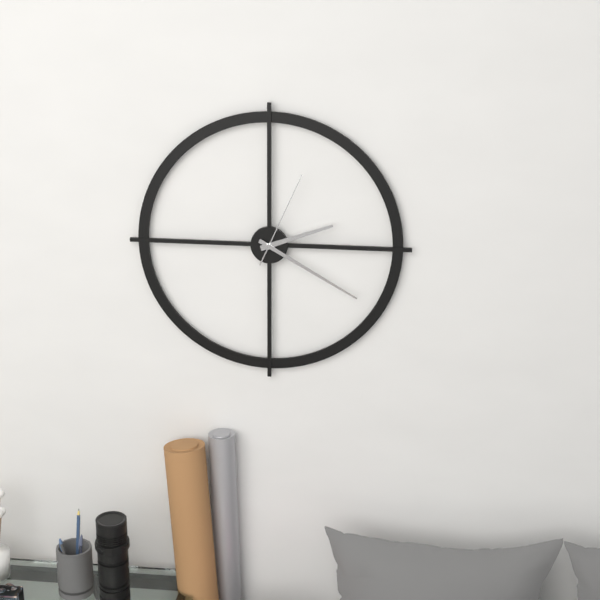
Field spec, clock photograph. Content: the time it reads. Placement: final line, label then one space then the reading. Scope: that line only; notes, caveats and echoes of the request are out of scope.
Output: 2:20:04
